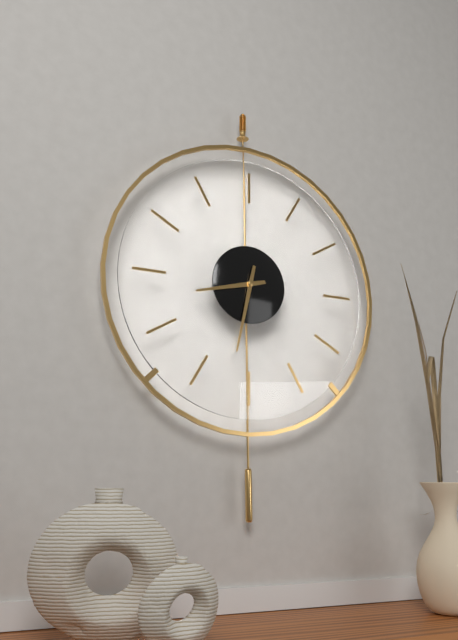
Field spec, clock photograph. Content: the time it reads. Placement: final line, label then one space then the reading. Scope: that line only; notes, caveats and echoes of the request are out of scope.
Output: 8:32
